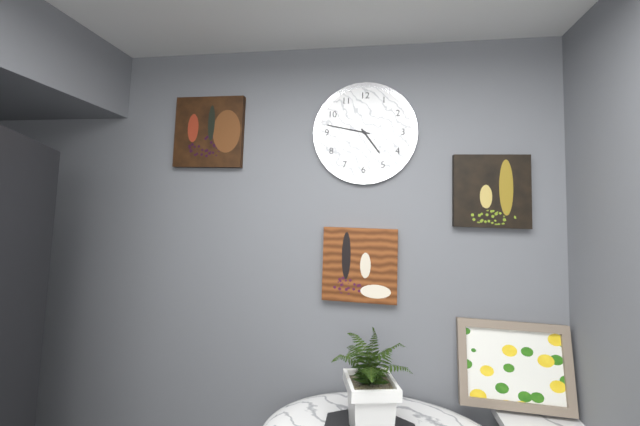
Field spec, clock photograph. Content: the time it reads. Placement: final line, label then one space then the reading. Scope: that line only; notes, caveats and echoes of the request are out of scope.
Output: 4:47
